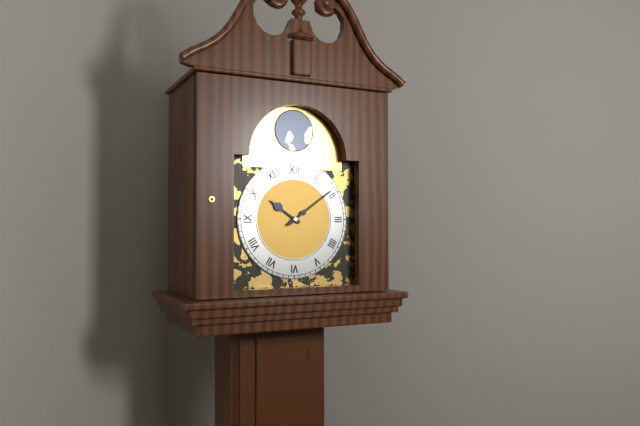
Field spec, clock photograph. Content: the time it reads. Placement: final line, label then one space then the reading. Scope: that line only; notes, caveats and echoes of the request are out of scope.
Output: 10:09
